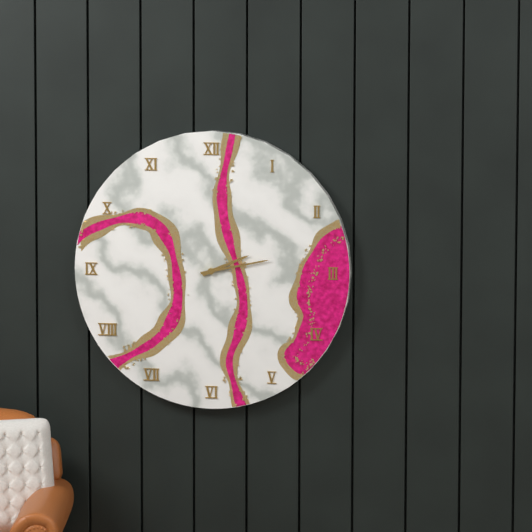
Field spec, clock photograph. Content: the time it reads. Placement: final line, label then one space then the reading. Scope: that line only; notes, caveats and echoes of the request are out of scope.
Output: 2:13
